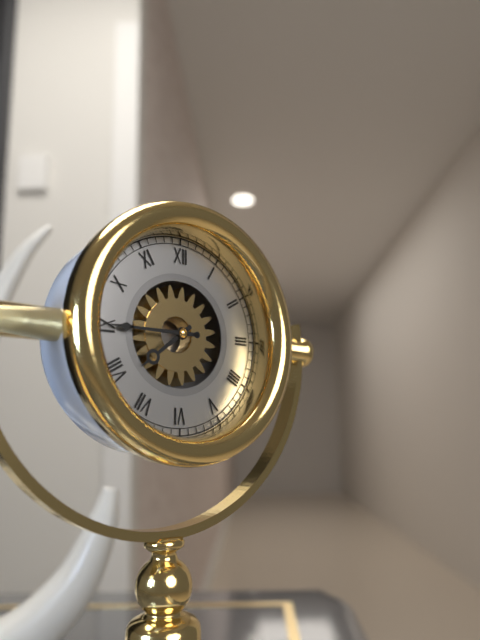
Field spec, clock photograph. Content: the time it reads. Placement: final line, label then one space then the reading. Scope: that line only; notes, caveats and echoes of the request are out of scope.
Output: 7:45
